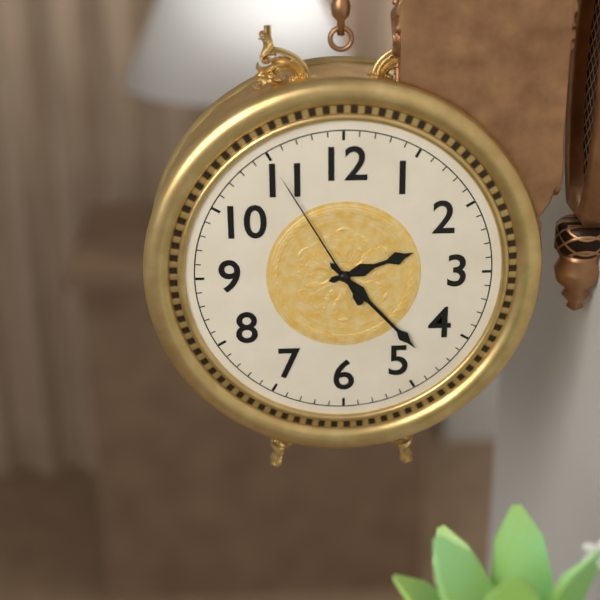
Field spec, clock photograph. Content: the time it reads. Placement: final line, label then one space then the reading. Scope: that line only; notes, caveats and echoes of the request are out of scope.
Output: 2:23:55
